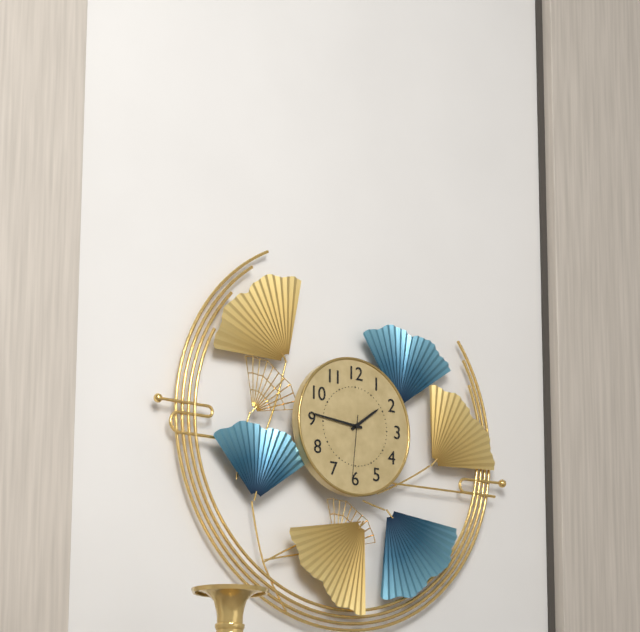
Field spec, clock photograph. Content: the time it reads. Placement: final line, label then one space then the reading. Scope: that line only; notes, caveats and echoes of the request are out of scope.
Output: 1:46:31
